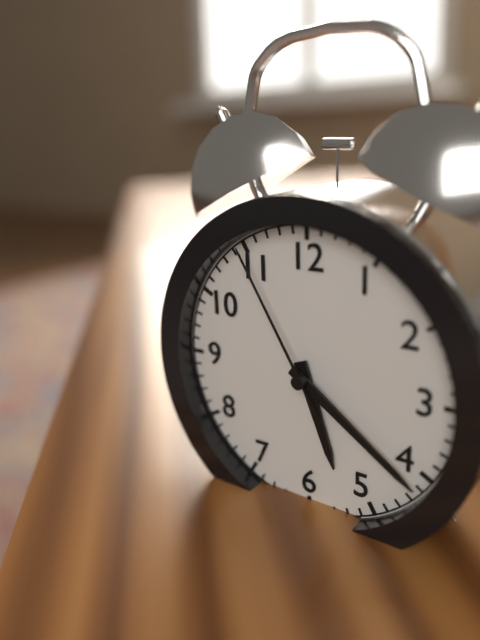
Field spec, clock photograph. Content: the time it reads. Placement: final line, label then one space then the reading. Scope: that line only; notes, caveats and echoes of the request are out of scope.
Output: 5:21:55
